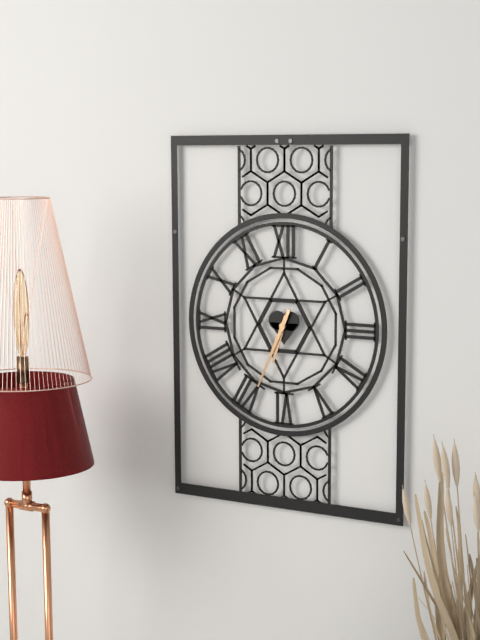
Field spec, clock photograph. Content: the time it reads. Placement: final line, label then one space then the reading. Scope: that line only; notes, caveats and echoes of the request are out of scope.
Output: 6:34
